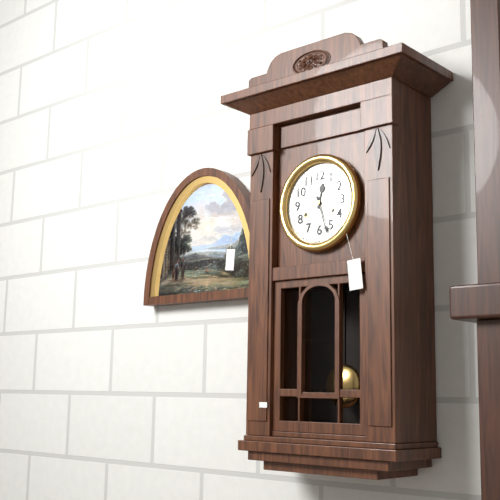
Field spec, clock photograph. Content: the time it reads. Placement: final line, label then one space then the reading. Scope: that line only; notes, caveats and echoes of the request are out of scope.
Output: 12:27
